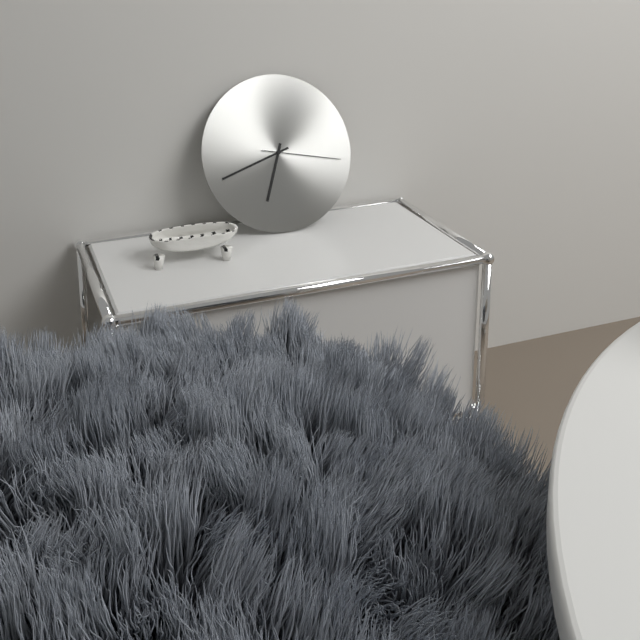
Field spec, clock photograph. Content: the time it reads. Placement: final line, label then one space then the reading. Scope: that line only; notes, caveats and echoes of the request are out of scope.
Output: 6:42:17
